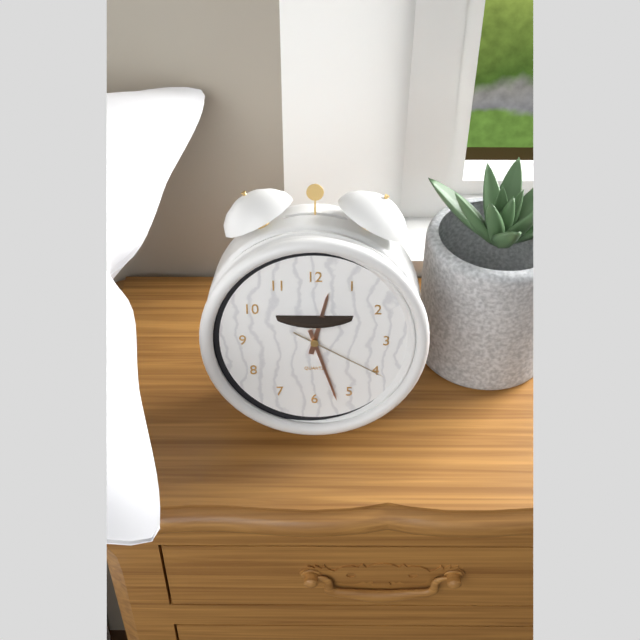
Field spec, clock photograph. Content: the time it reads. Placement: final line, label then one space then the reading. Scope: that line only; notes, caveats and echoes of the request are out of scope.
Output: 12:27:20
